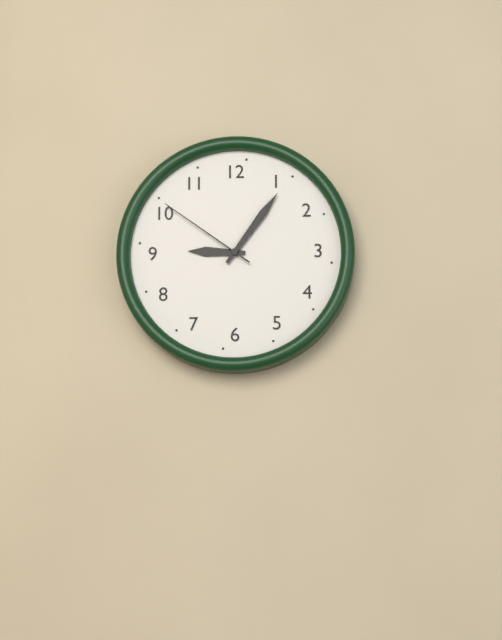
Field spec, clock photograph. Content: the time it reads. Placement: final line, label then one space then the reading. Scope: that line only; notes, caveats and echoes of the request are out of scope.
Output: 9:06:51
